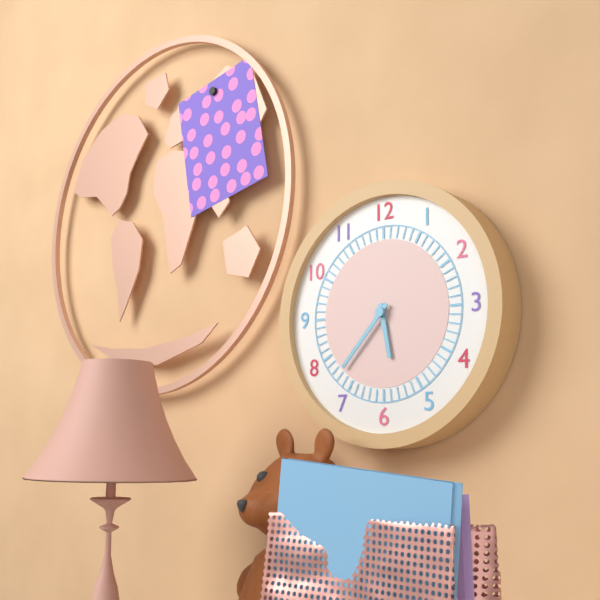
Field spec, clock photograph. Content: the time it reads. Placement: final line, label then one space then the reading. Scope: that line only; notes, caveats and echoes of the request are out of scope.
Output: 5:37
